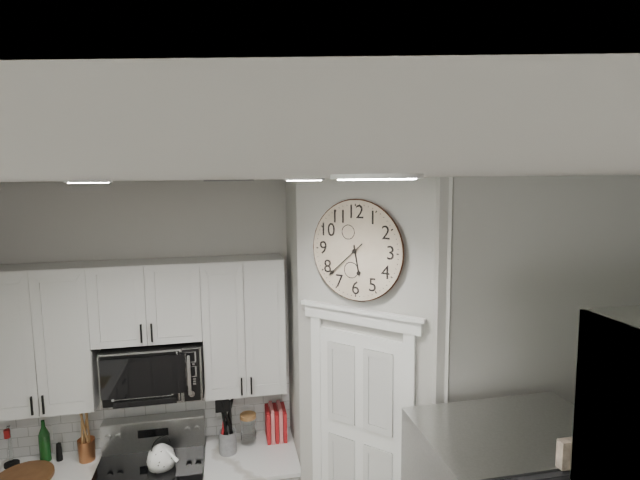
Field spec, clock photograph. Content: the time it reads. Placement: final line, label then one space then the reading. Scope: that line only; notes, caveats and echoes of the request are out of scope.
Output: 5:38
